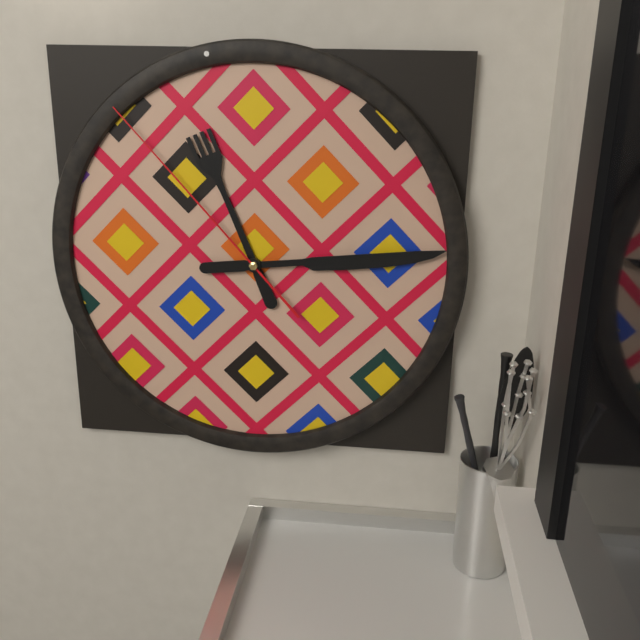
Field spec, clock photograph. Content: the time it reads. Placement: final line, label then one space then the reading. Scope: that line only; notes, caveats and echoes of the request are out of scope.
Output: 11:14:53
